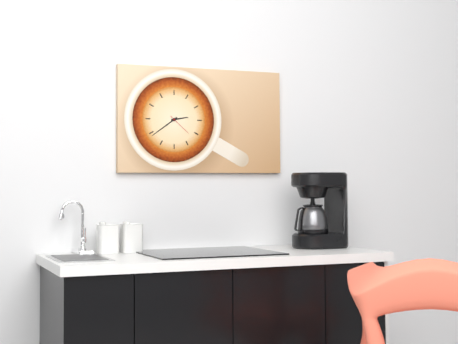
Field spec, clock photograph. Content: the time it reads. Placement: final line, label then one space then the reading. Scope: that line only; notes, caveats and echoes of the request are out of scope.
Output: 2:39
